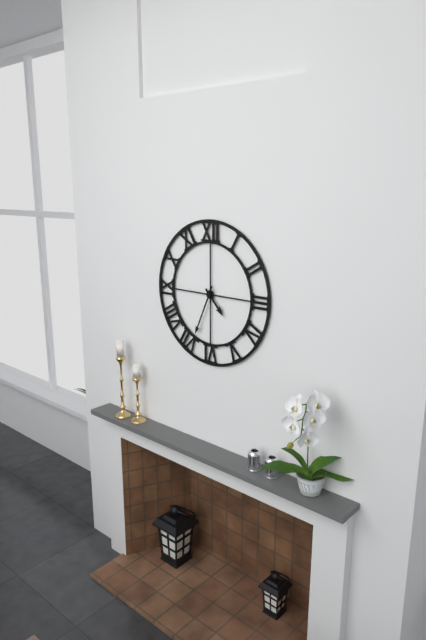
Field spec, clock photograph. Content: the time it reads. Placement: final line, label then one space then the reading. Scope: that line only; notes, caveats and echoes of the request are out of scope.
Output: 4:34
